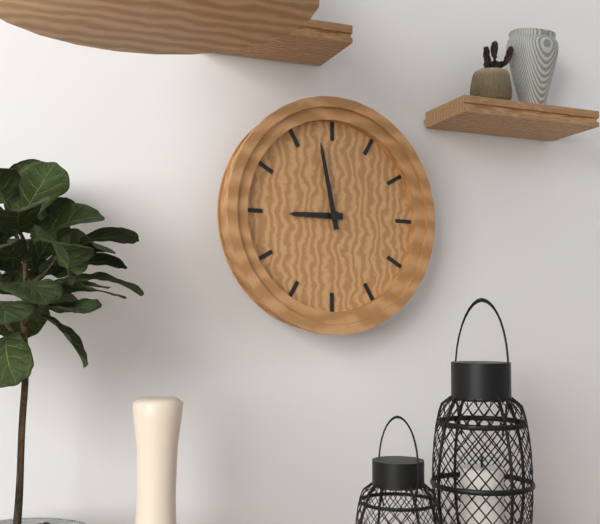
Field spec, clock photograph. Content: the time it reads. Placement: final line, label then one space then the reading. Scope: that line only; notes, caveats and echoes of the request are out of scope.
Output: 8:58
